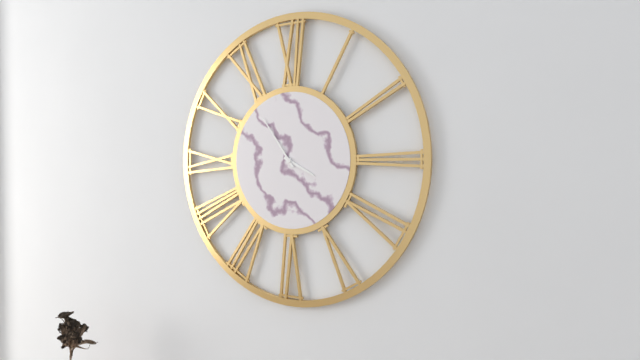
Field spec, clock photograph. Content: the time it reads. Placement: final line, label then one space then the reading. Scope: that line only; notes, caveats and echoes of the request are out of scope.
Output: 3:54
